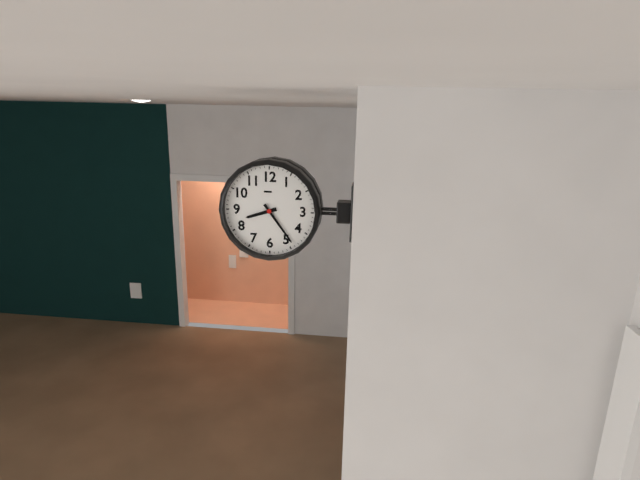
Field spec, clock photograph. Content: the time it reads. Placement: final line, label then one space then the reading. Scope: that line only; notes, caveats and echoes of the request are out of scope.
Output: 8:24
